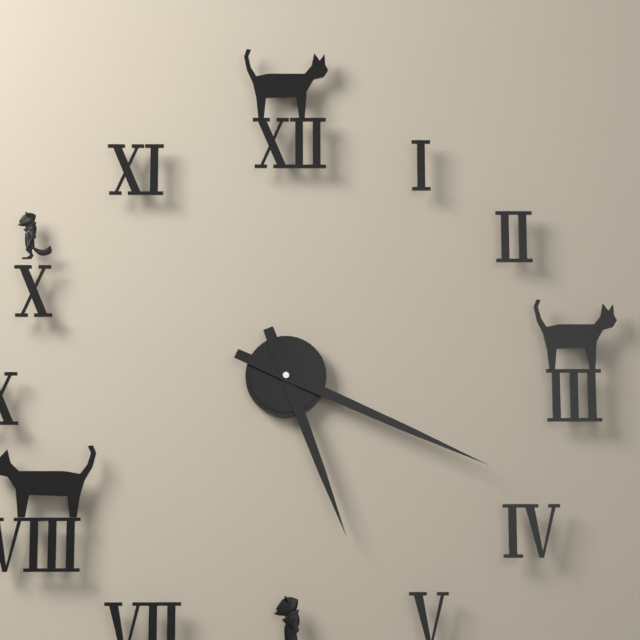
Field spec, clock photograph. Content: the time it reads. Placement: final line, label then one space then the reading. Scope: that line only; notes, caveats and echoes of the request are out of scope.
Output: 5:19
